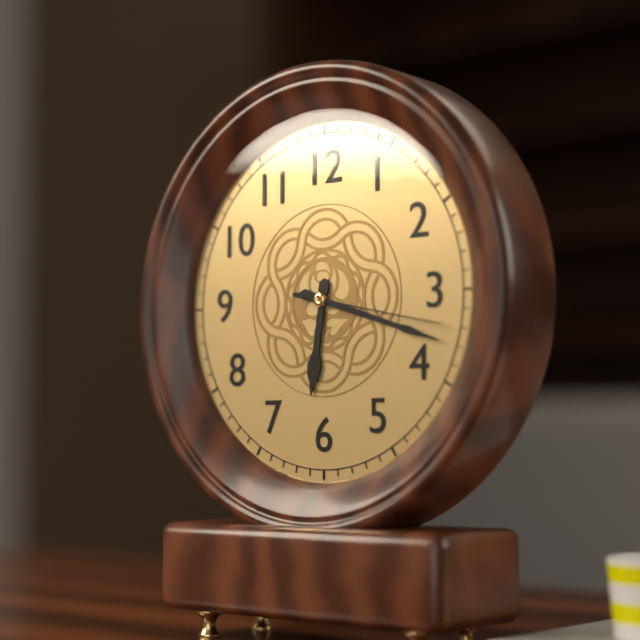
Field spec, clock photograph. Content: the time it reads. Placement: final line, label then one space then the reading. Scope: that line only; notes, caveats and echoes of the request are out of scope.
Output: 6:18:17
